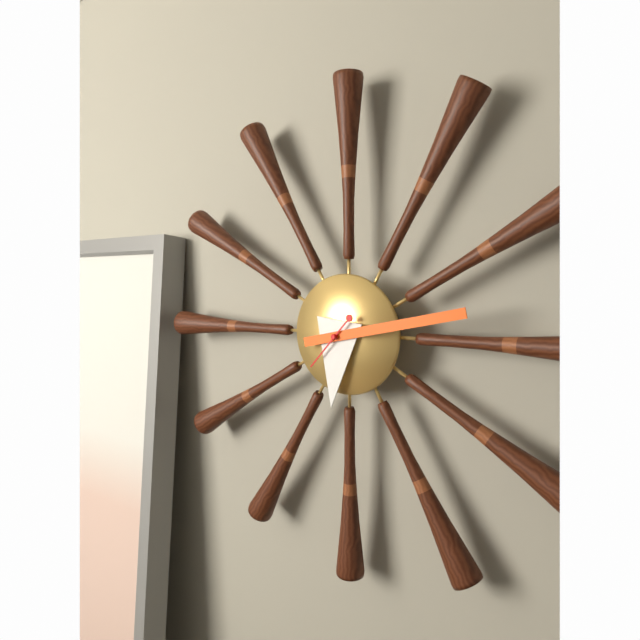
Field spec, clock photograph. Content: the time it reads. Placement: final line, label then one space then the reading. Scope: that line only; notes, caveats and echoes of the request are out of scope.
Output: 6:13:37
